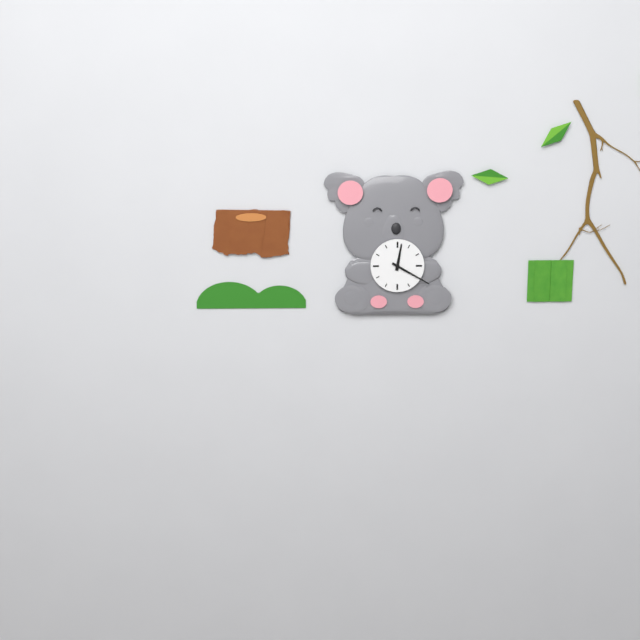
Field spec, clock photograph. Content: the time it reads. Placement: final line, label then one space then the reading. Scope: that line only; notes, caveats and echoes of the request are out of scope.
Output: 12:20
